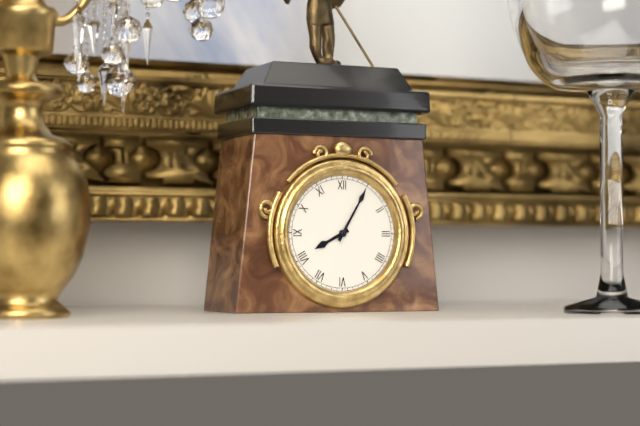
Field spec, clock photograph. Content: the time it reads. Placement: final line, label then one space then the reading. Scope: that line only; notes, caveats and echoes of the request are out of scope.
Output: 8:05
